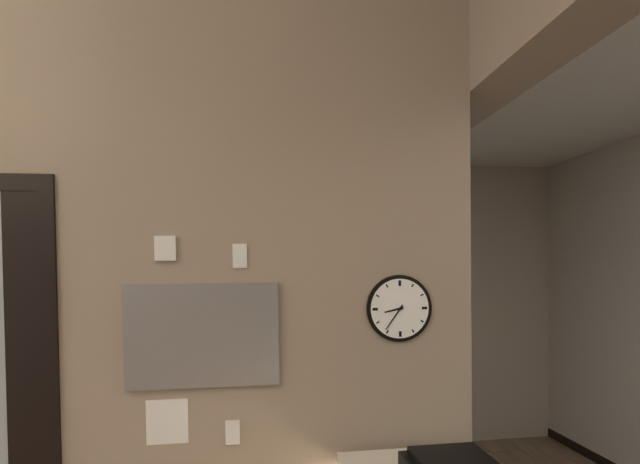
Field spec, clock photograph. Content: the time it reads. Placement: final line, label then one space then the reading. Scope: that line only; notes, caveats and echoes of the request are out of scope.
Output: 8:36
